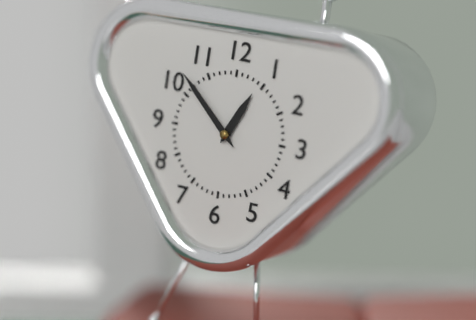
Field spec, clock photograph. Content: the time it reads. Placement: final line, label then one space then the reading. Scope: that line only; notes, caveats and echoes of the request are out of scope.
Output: 12:52
